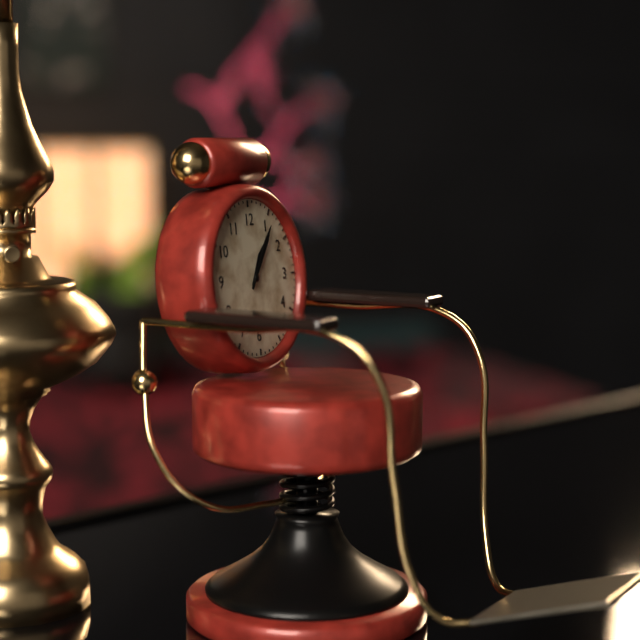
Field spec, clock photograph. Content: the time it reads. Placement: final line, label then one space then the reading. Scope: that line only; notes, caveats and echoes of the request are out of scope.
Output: 1:06
